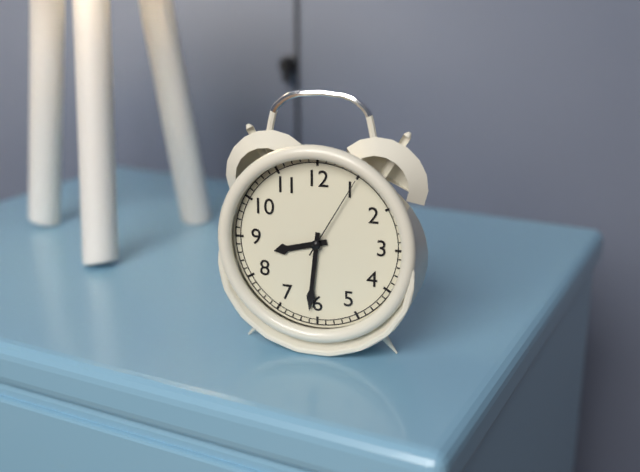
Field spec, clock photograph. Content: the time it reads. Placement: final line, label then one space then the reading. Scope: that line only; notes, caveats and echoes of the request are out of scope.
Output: 8:31:05
